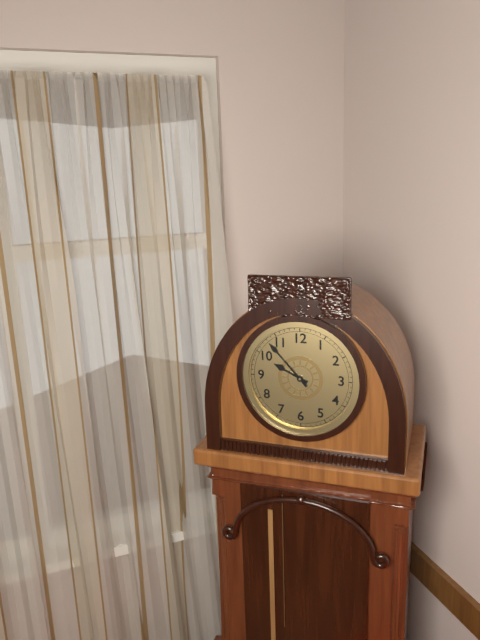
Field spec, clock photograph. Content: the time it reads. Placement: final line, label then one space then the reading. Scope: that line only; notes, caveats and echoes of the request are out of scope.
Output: 9:53
